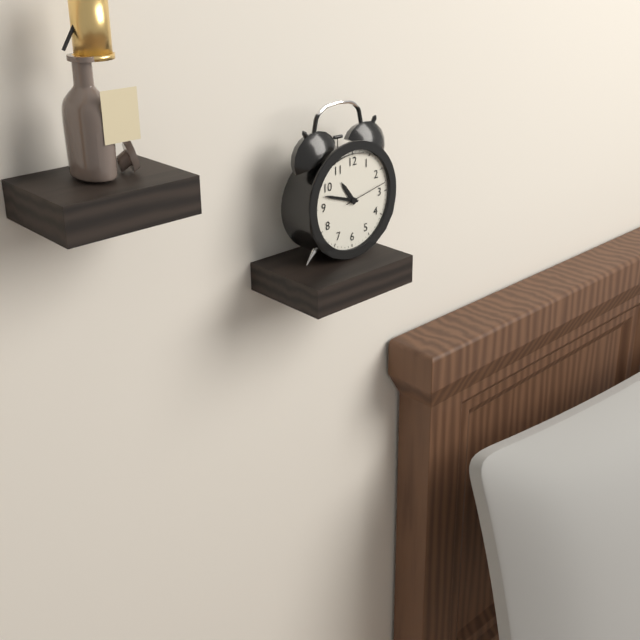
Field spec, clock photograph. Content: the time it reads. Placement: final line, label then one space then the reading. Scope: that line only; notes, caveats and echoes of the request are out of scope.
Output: 10:48
